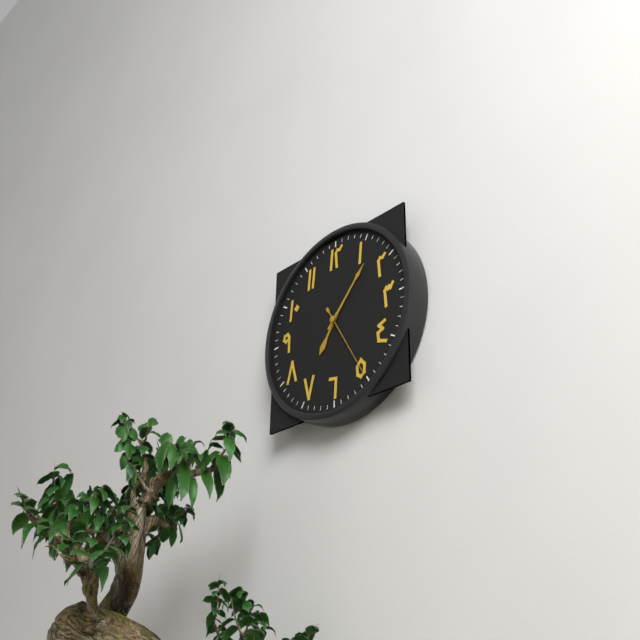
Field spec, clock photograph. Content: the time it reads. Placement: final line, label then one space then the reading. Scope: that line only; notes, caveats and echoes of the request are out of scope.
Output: 7:07:25
